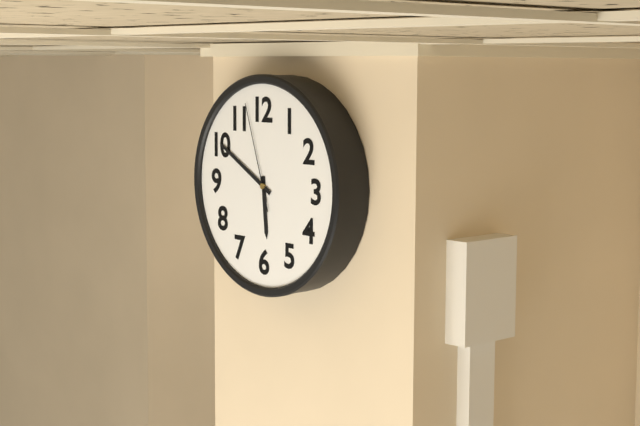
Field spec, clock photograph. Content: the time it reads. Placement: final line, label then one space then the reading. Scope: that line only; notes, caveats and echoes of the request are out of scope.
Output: 5:50:57
